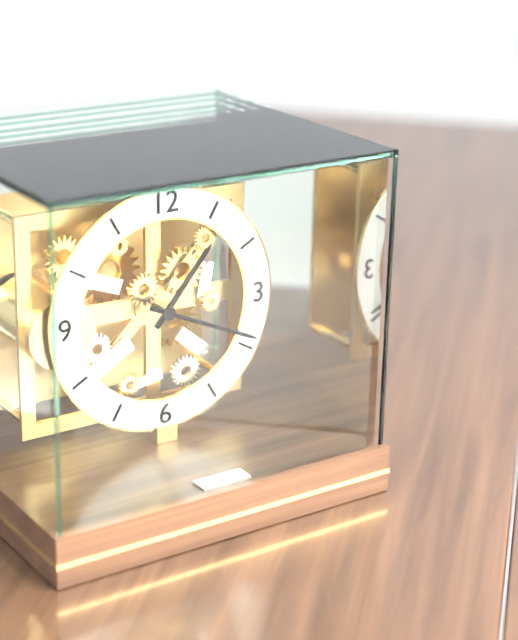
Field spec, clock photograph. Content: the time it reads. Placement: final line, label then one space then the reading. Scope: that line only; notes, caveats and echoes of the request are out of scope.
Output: 1:19
